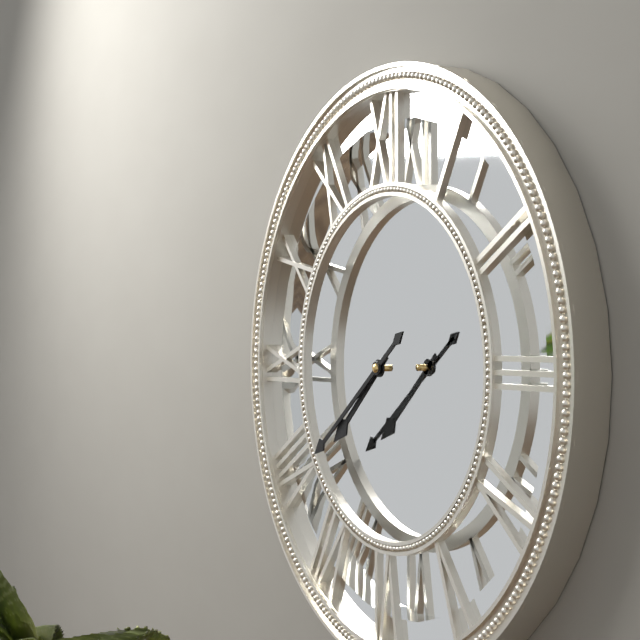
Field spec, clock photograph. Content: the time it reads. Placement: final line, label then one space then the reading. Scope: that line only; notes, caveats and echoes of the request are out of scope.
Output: 7:39
